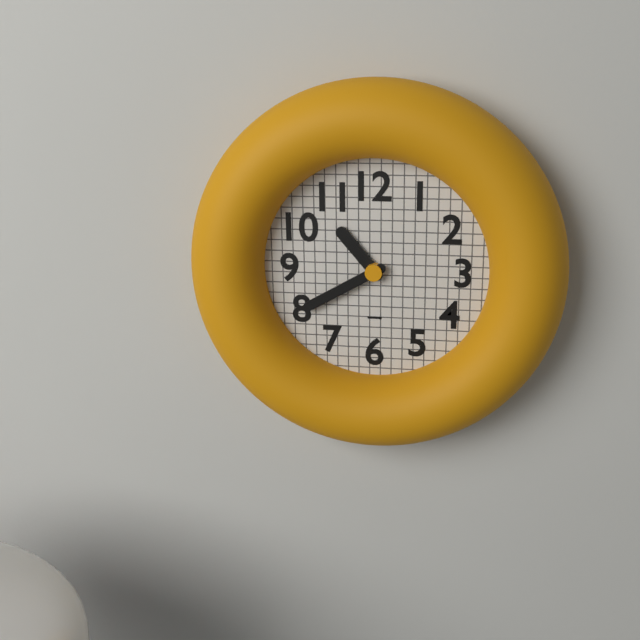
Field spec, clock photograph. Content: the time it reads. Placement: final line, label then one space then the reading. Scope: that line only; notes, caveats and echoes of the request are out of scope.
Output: 10:40
